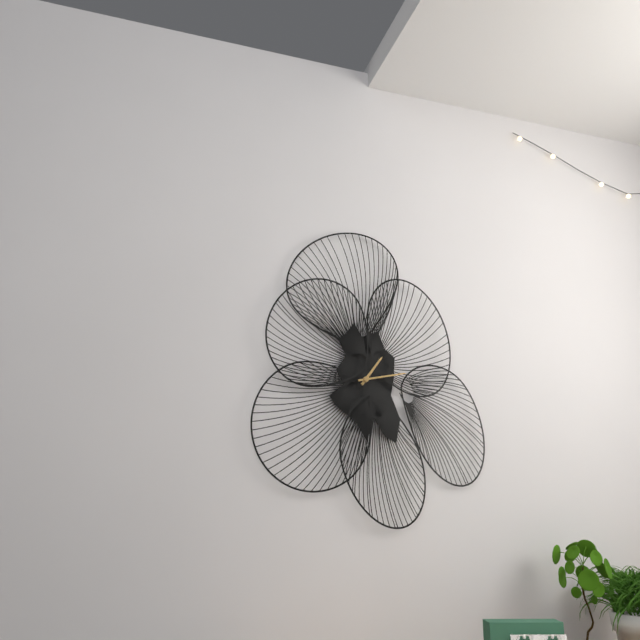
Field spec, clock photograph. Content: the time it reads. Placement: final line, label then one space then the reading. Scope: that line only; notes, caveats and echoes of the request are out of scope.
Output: 1:13
